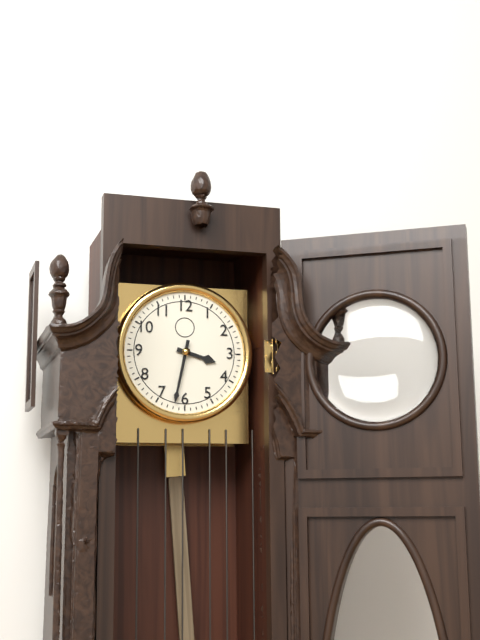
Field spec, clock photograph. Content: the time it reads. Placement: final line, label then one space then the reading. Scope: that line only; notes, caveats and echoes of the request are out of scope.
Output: 3:32
